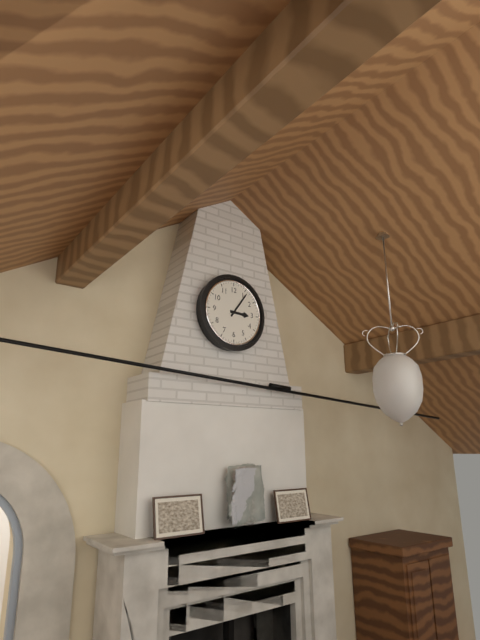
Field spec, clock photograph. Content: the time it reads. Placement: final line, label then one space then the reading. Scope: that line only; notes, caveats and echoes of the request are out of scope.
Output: 3:06
